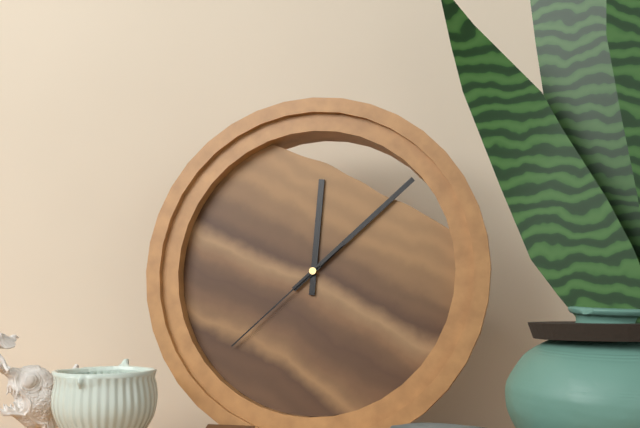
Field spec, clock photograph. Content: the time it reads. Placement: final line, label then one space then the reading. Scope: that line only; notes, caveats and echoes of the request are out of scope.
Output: 12:08:38
